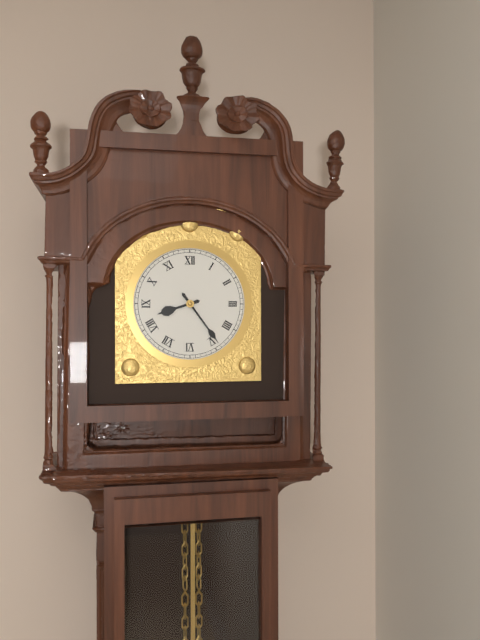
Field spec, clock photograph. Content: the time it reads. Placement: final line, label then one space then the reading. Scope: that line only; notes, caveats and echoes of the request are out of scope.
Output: 8:24
